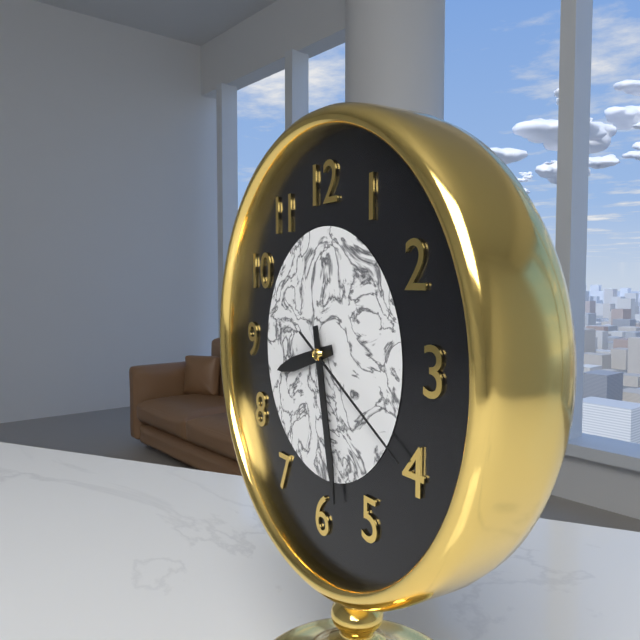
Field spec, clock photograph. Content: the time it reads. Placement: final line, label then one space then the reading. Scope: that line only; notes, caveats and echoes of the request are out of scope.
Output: 8:28:20
